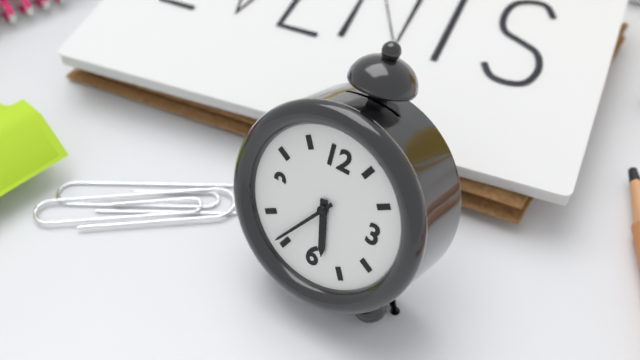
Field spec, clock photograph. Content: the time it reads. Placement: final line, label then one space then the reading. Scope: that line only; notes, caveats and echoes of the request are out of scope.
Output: 5:36
